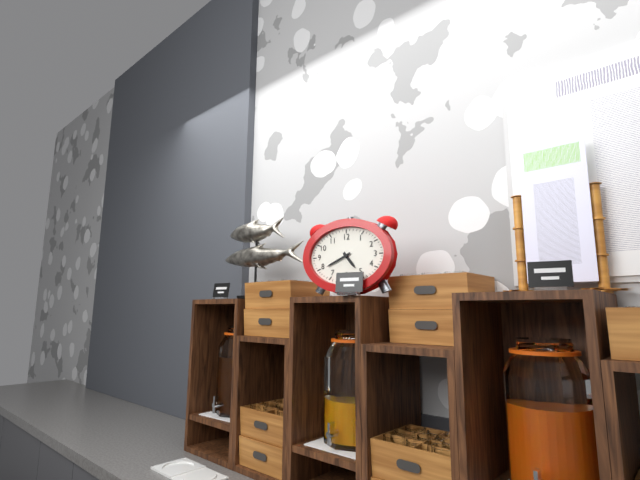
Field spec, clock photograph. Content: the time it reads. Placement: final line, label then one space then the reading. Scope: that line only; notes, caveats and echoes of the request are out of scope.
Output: 4:41
